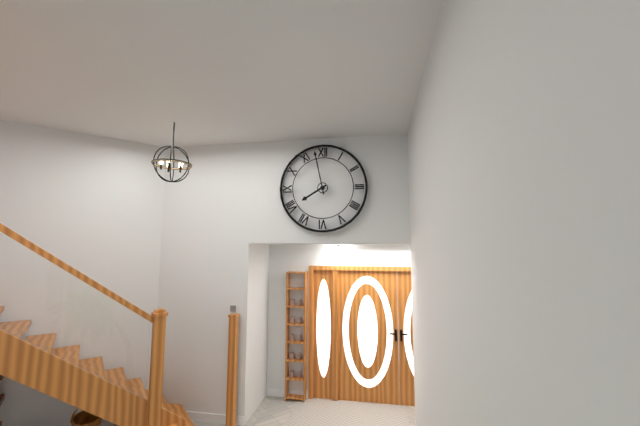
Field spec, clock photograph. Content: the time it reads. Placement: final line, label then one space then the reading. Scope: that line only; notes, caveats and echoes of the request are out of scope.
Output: 7:58
